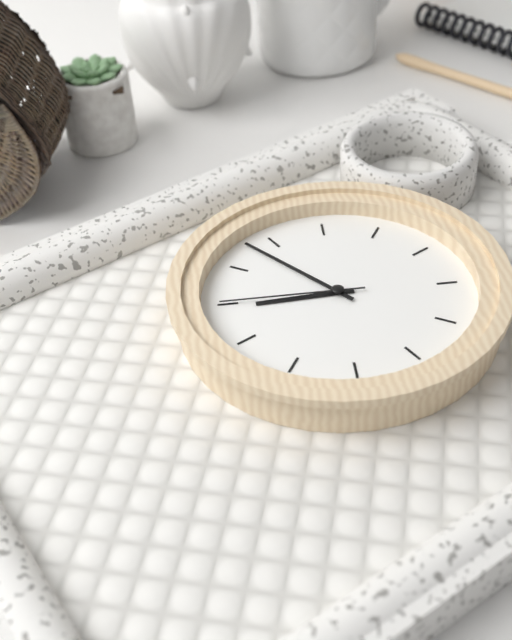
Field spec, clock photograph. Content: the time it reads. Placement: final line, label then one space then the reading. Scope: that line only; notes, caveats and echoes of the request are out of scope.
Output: 8:53:45
